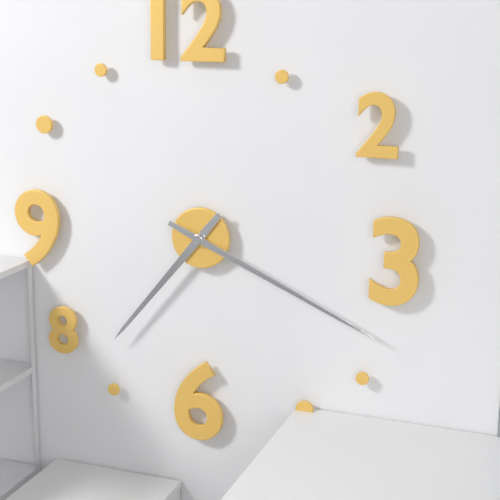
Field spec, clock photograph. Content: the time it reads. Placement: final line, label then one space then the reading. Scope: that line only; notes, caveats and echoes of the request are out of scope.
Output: 7:19
